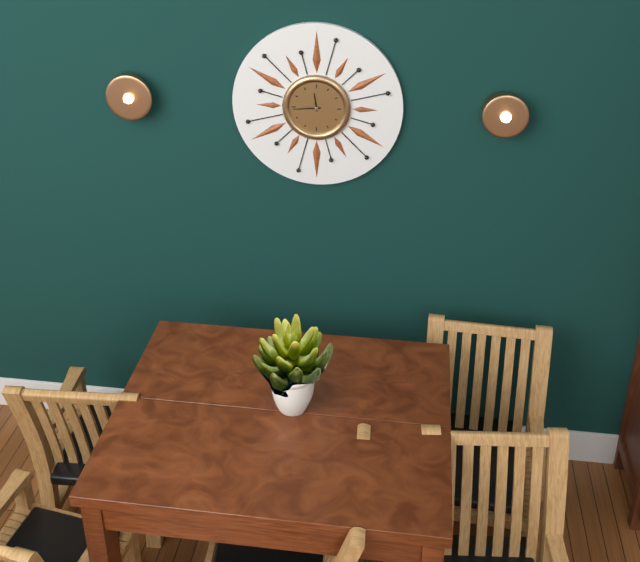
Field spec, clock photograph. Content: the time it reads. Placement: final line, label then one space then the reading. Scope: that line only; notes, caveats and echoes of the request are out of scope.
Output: 11:44
